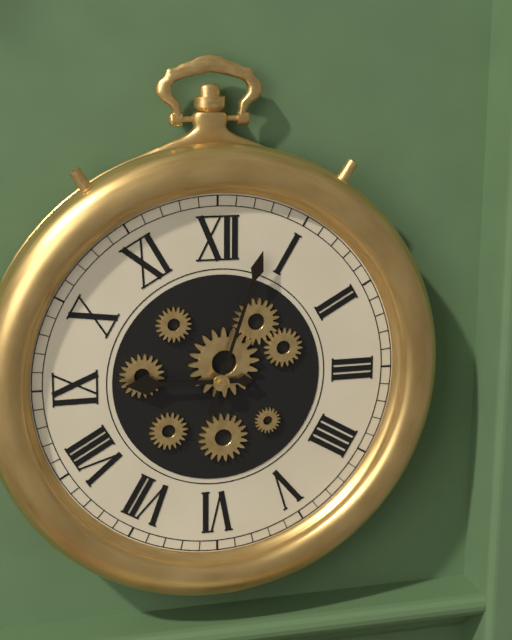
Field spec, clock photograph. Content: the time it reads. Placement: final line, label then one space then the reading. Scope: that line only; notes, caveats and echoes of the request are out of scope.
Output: 9:03
